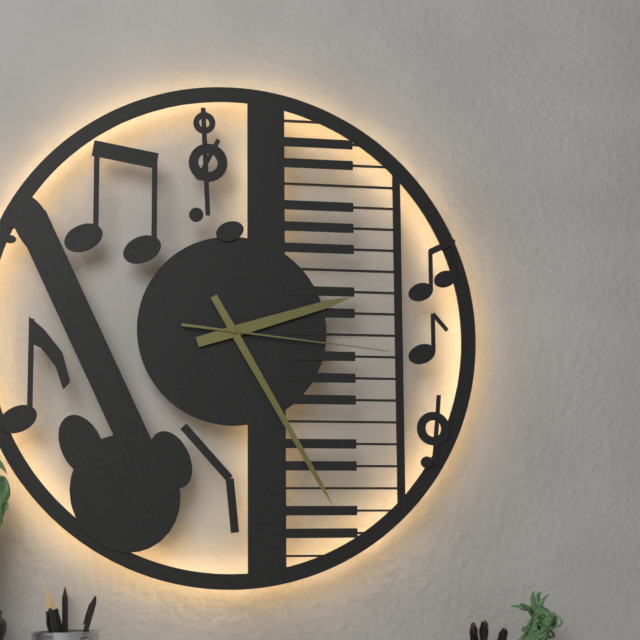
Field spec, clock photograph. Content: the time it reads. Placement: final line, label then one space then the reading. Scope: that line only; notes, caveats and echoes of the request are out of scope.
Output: 2:25:16
